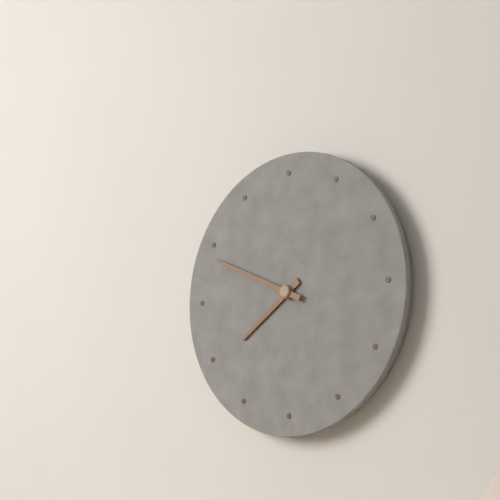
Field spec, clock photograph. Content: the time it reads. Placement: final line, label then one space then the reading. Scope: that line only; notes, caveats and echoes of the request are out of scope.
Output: 7:49
